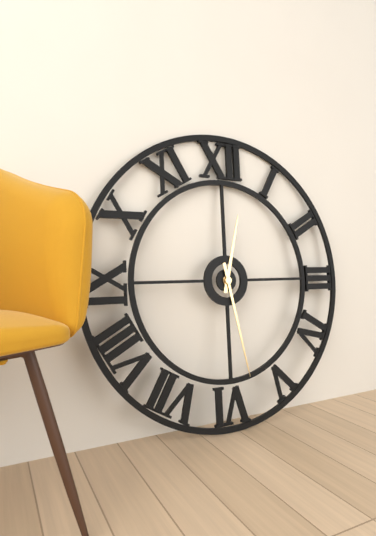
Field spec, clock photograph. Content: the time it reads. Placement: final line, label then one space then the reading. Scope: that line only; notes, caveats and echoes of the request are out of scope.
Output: 12:28
